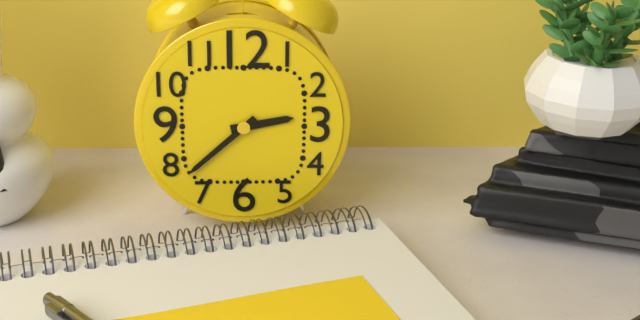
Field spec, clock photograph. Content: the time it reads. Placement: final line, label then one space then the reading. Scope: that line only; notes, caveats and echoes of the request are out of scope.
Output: 2:38
